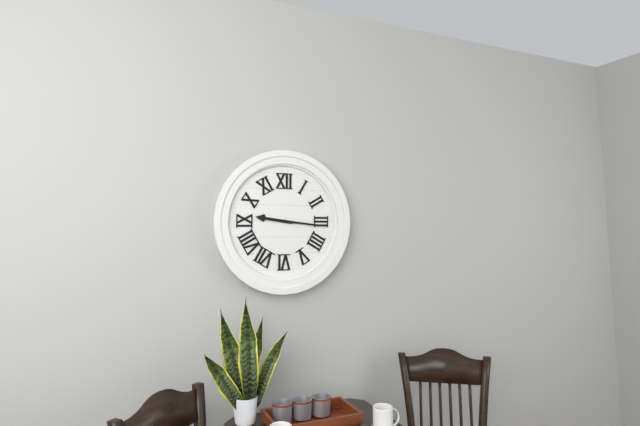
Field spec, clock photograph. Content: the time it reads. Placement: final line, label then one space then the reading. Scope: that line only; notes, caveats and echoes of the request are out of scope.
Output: 9:16
